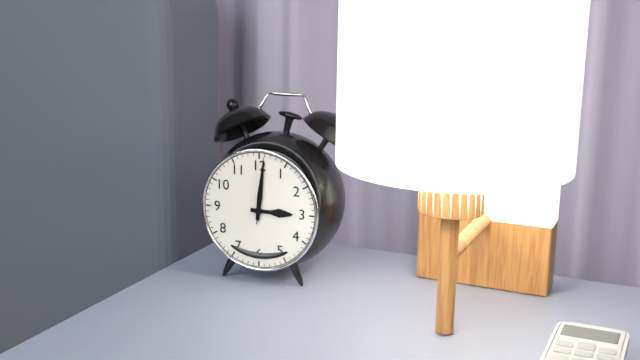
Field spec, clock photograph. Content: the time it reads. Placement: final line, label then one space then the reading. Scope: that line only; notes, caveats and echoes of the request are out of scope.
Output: 3:01:01
